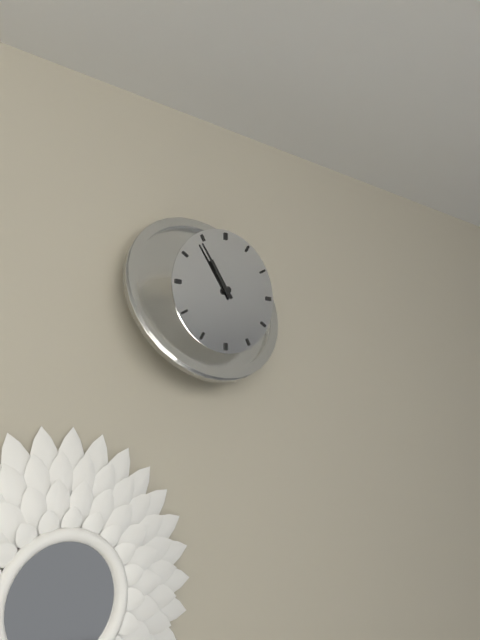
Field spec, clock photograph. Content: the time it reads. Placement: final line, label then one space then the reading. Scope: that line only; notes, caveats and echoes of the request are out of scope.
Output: 10:54
